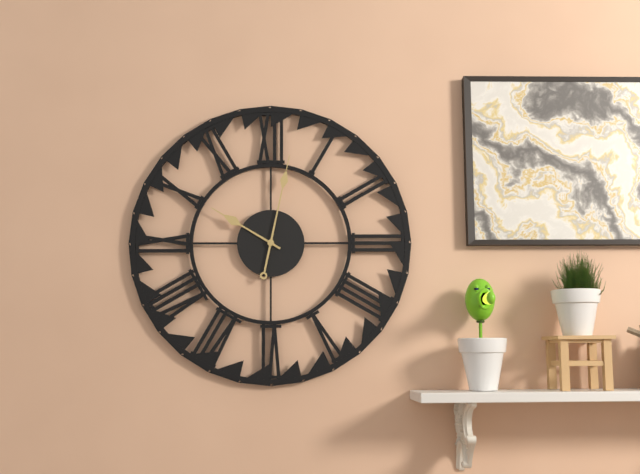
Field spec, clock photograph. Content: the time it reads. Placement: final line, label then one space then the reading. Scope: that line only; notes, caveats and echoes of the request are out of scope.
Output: 10:02
